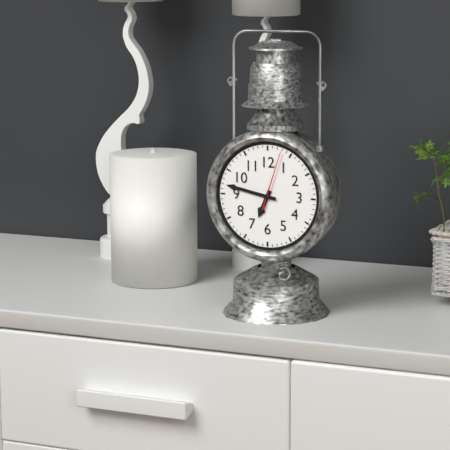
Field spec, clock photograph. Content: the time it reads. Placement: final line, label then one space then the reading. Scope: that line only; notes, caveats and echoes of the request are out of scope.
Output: 6:47:03
